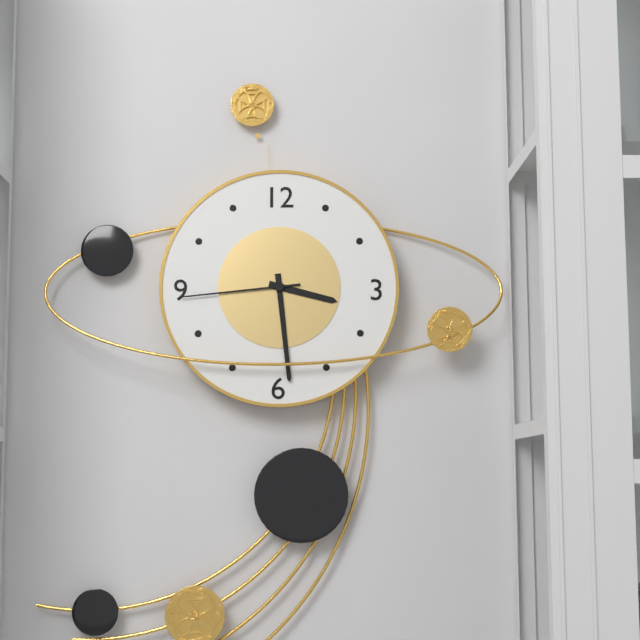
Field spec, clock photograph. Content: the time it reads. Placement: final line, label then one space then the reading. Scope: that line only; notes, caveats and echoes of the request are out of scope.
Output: 3:29:44
